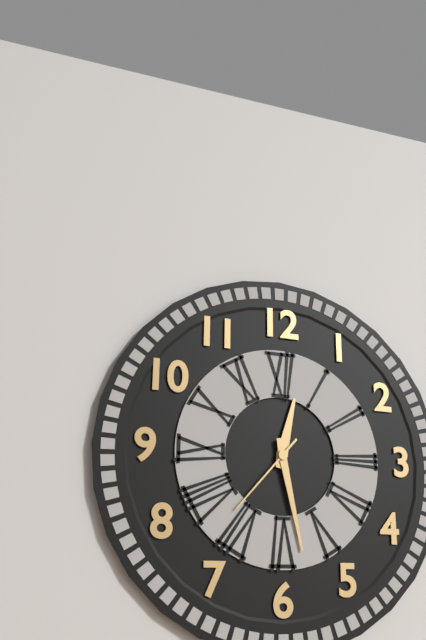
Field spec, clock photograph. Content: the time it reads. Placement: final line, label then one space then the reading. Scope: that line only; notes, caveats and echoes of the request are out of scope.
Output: 12:28:37
